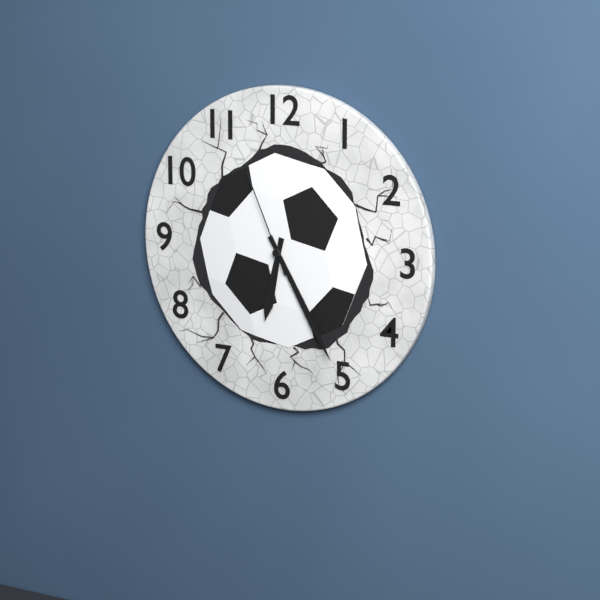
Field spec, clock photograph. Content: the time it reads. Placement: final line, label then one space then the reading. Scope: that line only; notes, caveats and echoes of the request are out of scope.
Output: 6:25:56
